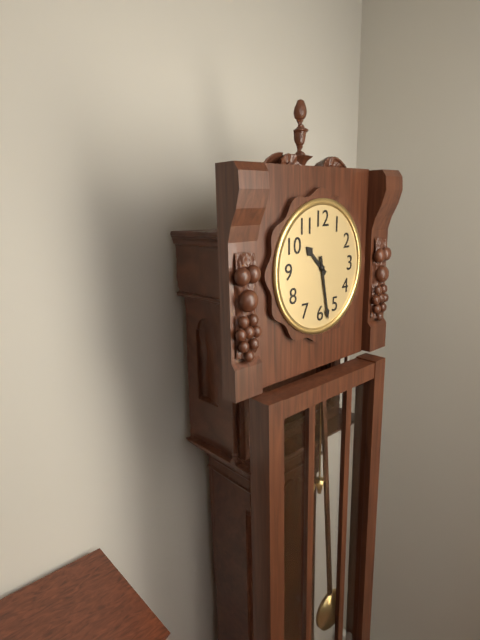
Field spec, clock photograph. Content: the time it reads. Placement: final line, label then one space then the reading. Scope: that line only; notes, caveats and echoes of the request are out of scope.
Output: 10:28
